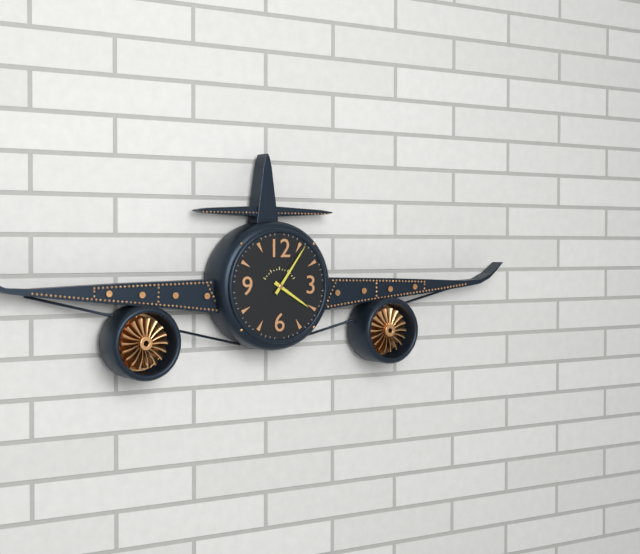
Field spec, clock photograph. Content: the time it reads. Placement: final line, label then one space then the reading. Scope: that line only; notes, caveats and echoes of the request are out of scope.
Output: 4:06
